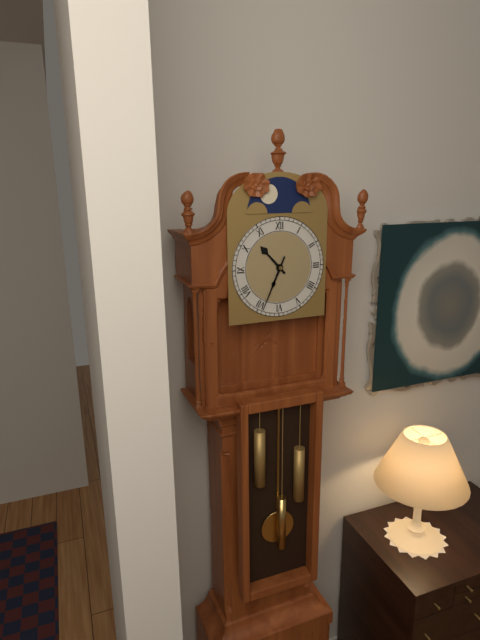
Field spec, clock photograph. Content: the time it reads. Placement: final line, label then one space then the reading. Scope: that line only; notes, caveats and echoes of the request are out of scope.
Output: 10:34
